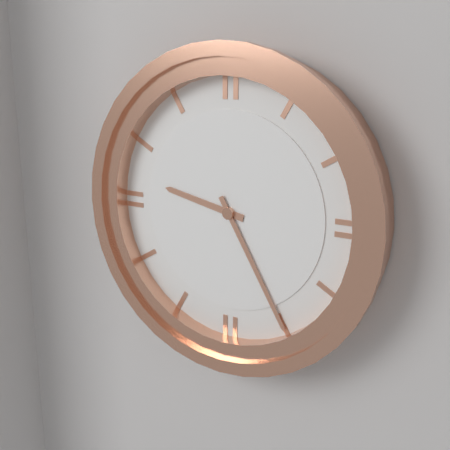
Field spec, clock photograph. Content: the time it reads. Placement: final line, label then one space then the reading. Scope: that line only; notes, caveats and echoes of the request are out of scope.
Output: 9:25
